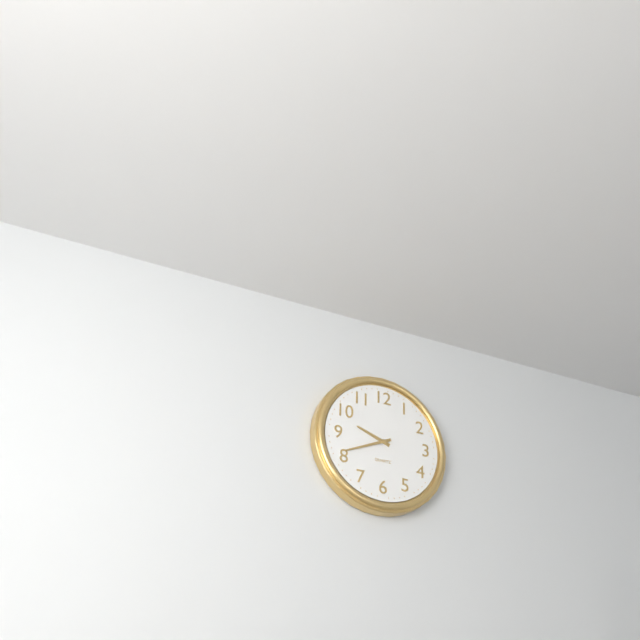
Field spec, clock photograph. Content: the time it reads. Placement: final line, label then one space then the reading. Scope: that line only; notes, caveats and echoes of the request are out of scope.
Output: 9:41
